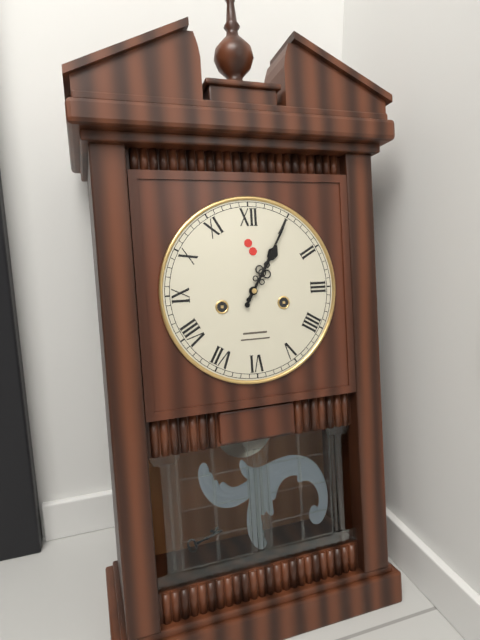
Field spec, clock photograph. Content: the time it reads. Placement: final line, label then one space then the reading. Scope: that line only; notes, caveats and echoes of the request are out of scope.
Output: 1:05
